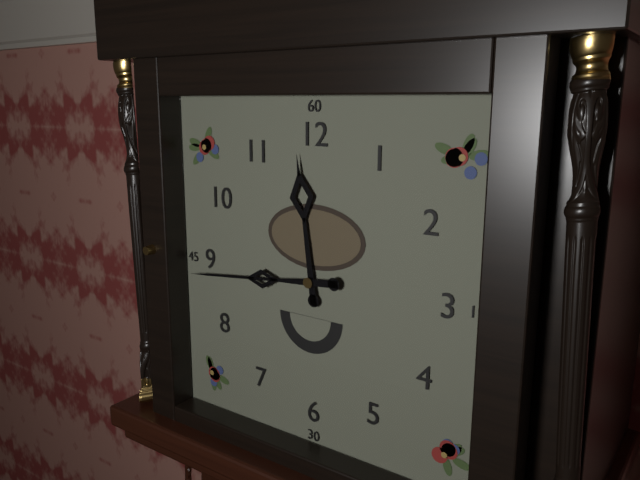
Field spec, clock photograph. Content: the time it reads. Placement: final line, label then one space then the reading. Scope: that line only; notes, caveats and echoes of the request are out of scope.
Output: 11:44
